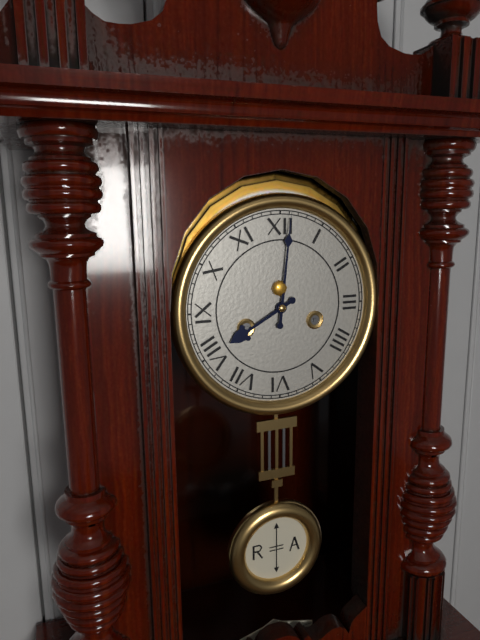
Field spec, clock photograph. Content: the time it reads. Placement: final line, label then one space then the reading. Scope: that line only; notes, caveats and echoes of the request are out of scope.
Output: 8:01
